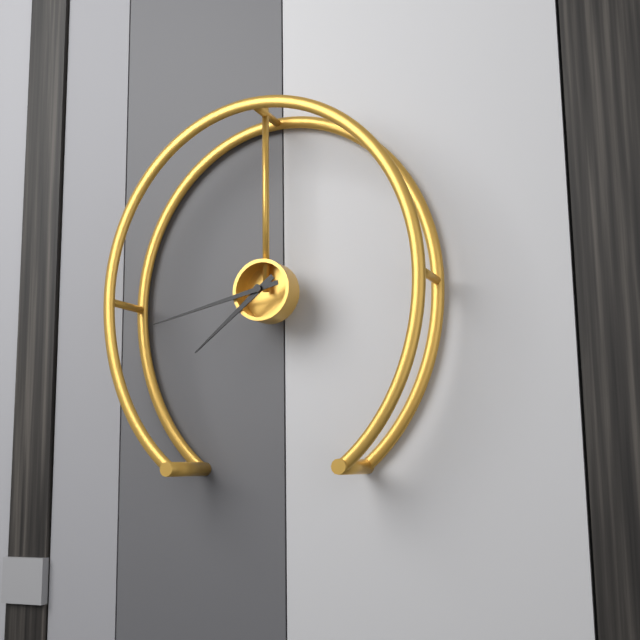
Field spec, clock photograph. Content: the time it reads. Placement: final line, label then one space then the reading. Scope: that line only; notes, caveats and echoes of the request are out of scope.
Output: 7:43
